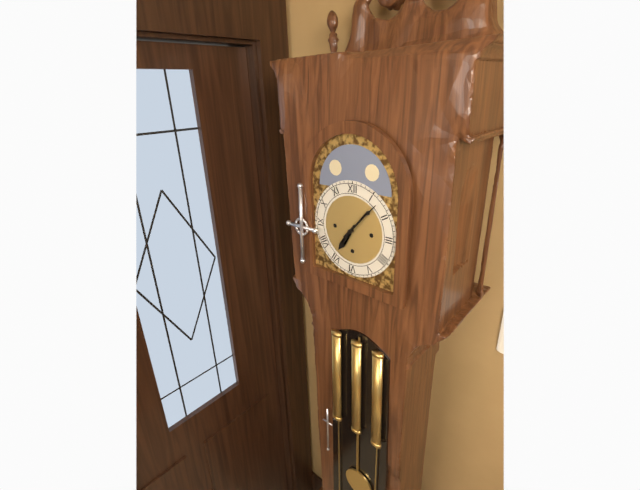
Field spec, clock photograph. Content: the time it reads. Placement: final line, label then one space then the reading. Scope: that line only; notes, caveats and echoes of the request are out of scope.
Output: 7:07
